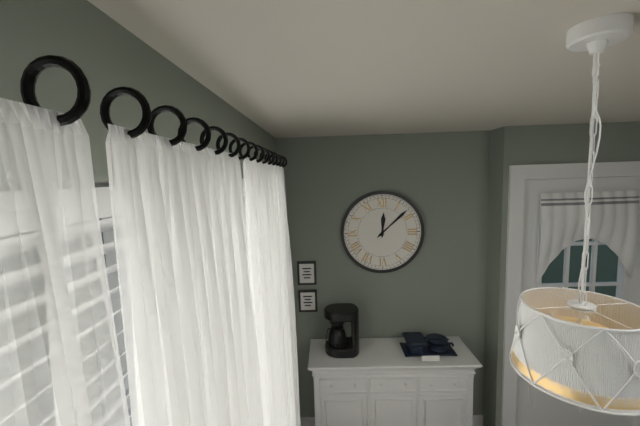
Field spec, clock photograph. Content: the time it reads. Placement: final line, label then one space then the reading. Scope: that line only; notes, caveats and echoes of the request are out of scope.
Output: 12:08
